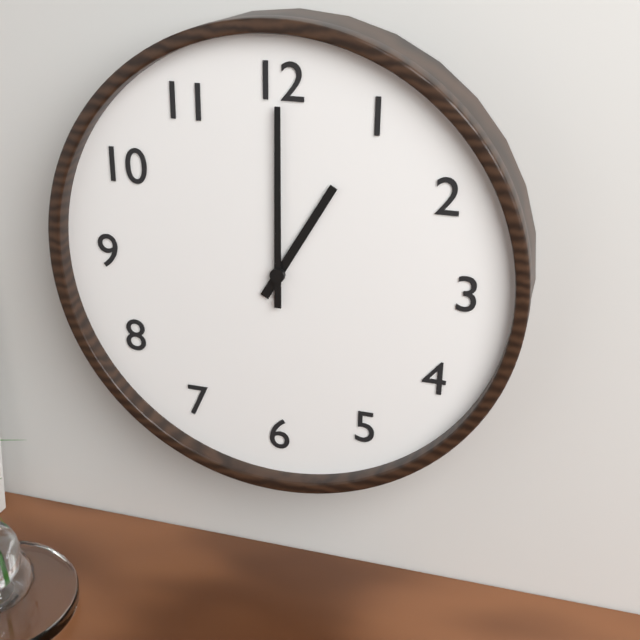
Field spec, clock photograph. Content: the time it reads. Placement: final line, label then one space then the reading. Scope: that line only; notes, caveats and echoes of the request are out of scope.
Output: 1:00
